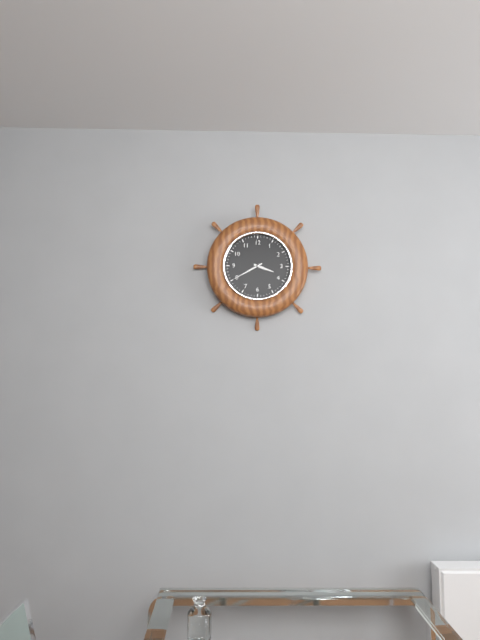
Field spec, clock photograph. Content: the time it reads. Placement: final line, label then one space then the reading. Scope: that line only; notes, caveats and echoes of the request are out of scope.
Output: 3:40
